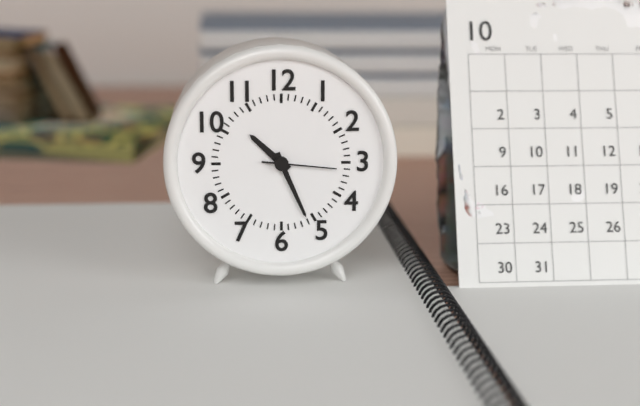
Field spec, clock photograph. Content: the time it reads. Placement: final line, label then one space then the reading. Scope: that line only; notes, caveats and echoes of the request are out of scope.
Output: 10:26:16
